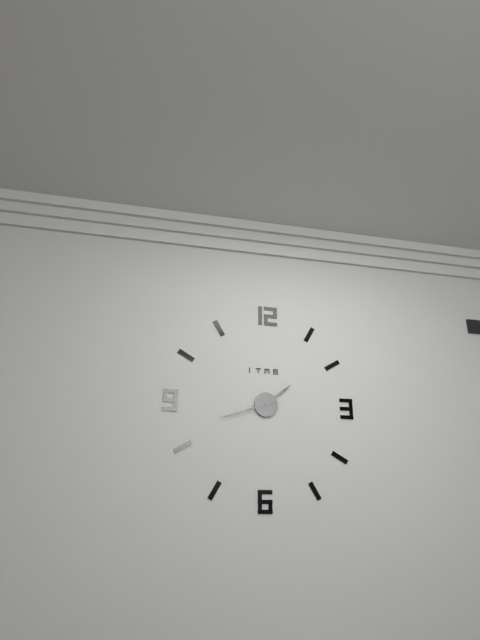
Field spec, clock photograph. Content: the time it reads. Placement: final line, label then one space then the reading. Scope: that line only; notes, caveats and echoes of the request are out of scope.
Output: 1:42
